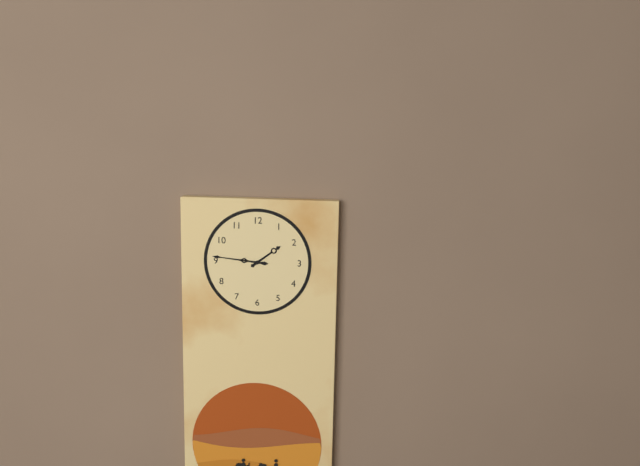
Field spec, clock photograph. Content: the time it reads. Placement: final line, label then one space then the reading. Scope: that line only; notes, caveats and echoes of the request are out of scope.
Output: 1:46
